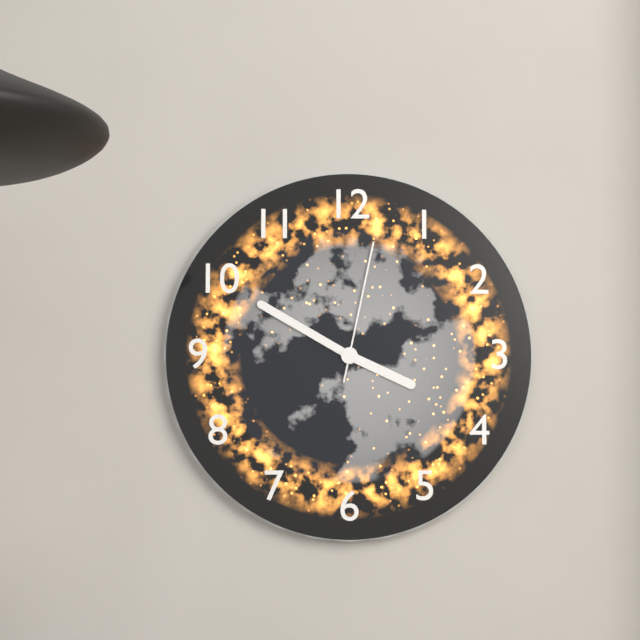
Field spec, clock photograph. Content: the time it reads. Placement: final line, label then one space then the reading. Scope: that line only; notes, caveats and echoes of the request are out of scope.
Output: 3:50:02
